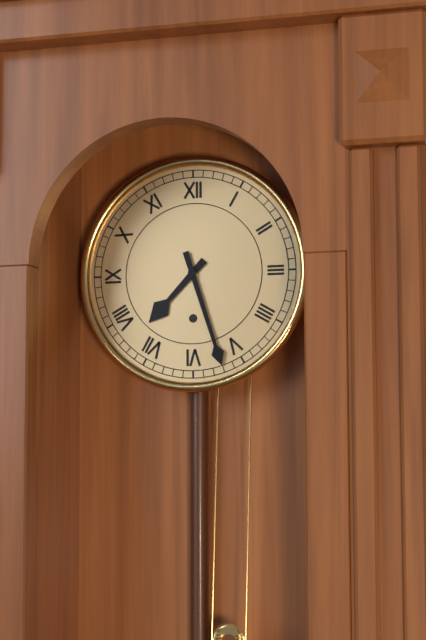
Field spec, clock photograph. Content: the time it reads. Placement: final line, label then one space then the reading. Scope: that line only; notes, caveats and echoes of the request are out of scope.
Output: 7:27
